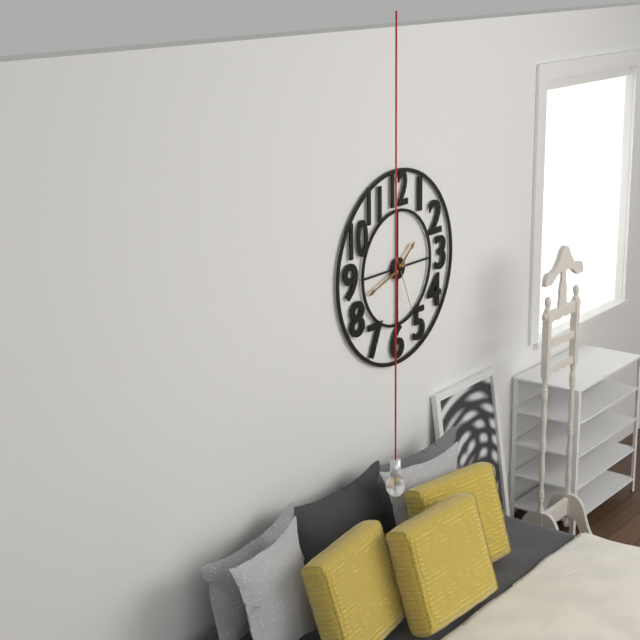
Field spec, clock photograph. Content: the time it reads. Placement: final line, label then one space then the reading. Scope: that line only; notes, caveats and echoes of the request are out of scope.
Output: 1:42:26
